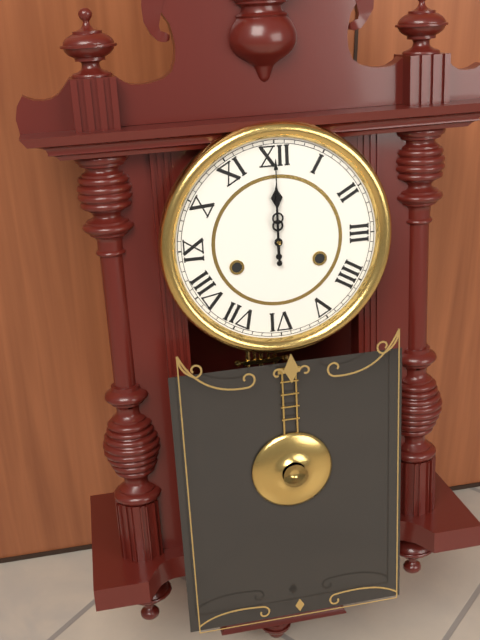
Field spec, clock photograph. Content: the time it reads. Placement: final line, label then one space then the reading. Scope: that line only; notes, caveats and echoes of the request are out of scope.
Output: 12:00
